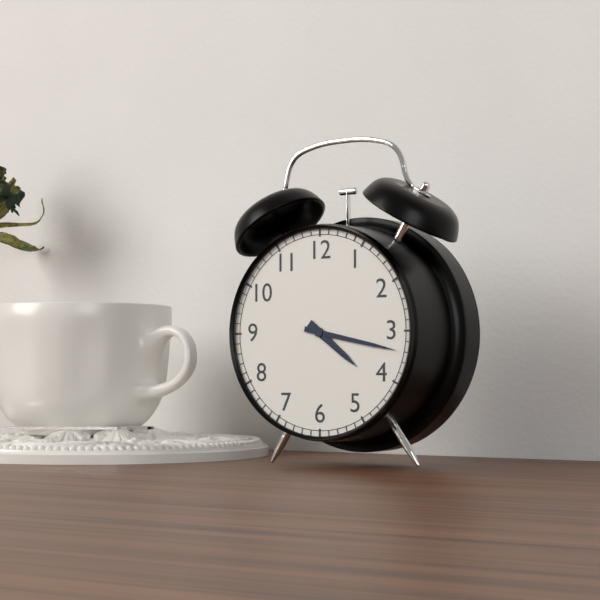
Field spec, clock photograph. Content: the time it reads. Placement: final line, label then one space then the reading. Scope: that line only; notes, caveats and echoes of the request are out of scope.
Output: 4:17
